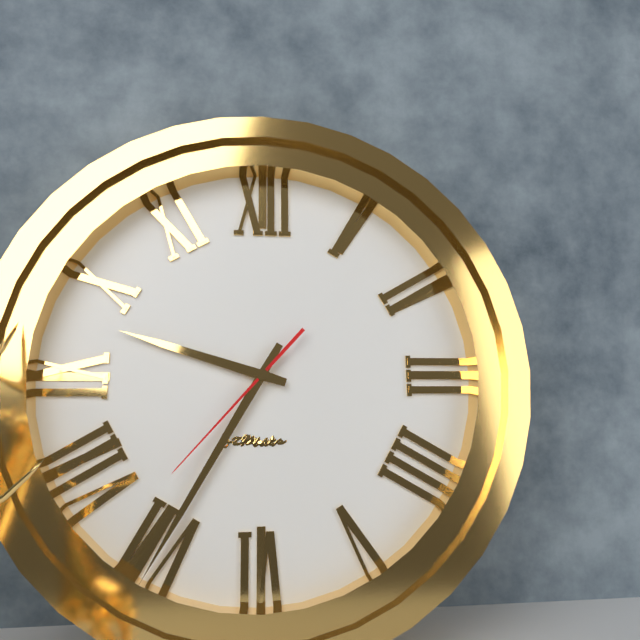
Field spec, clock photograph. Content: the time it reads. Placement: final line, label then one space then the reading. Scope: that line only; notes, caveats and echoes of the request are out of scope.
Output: 9:35:37
